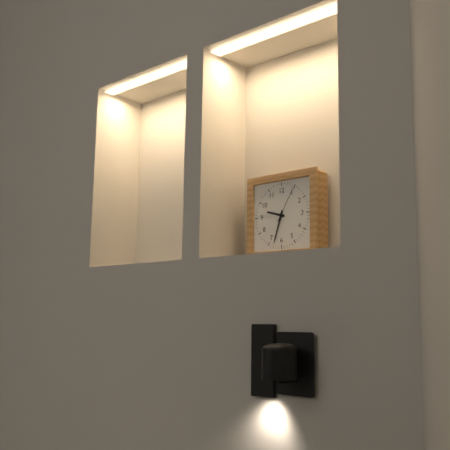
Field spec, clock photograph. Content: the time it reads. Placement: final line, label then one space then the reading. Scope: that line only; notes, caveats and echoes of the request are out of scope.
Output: 9:33
